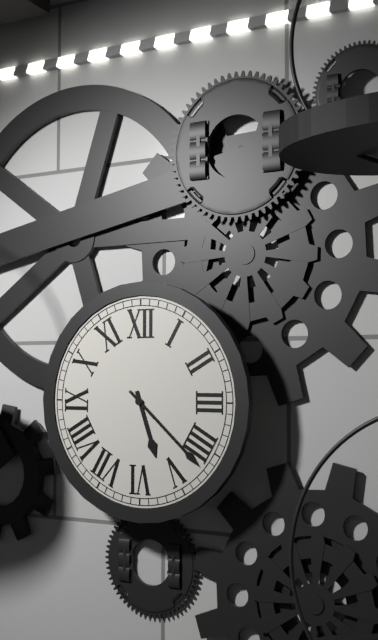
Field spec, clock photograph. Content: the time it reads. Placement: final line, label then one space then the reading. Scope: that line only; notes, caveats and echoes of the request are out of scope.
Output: 5:22
